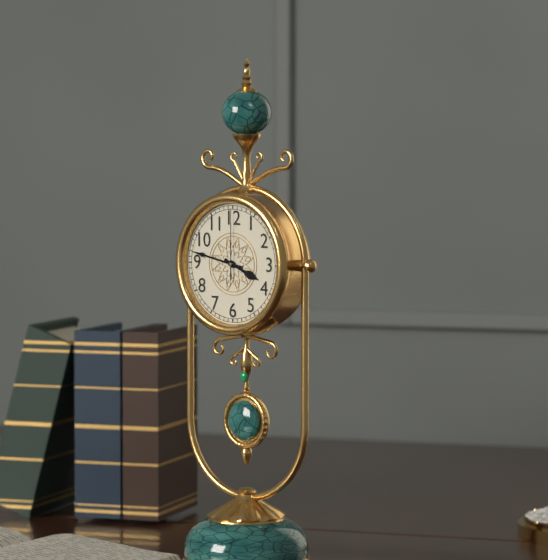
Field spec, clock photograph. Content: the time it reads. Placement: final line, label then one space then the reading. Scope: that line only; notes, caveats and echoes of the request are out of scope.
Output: 3:47:00
